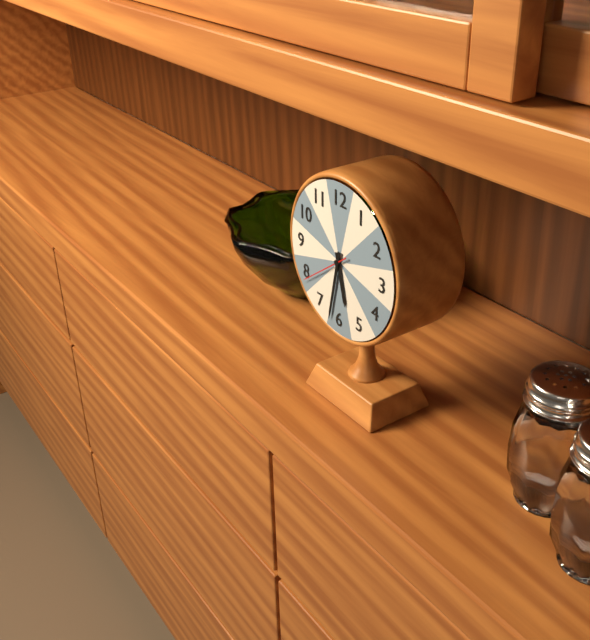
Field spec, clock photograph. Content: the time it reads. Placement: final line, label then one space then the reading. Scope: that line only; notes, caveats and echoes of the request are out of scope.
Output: 5:32:39
